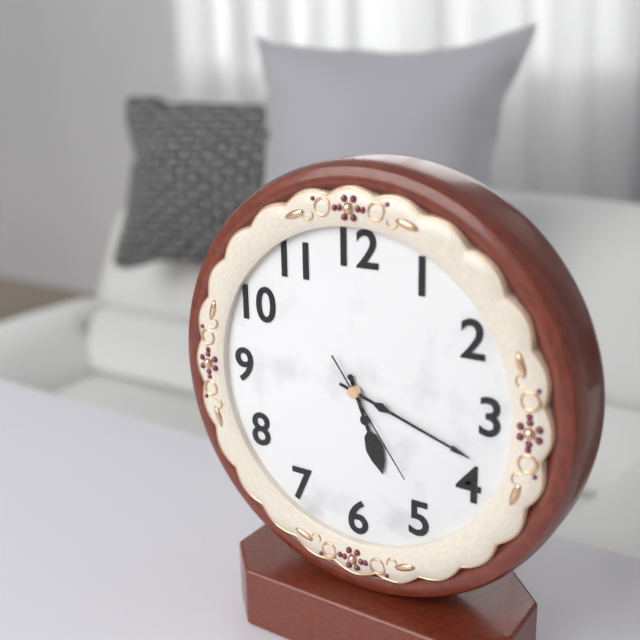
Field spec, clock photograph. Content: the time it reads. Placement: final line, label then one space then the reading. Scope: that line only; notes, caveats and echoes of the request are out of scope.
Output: 5:18:24
